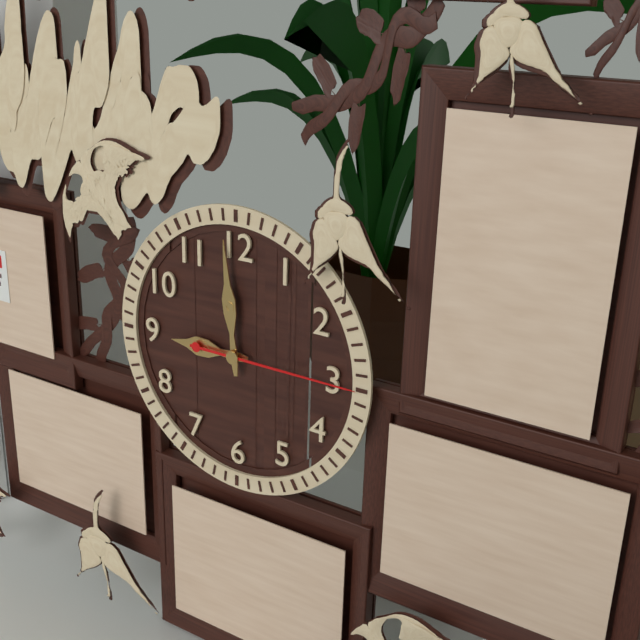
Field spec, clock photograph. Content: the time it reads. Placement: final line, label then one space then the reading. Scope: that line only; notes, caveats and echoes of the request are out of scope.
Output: 8:59:15
